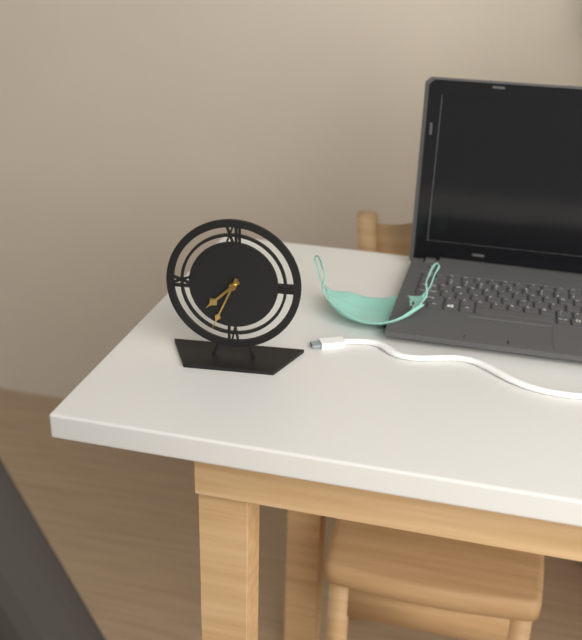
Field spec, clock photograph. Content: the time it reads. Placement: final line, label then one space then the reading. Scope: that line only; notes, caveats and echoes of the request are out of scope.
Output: 7:34
